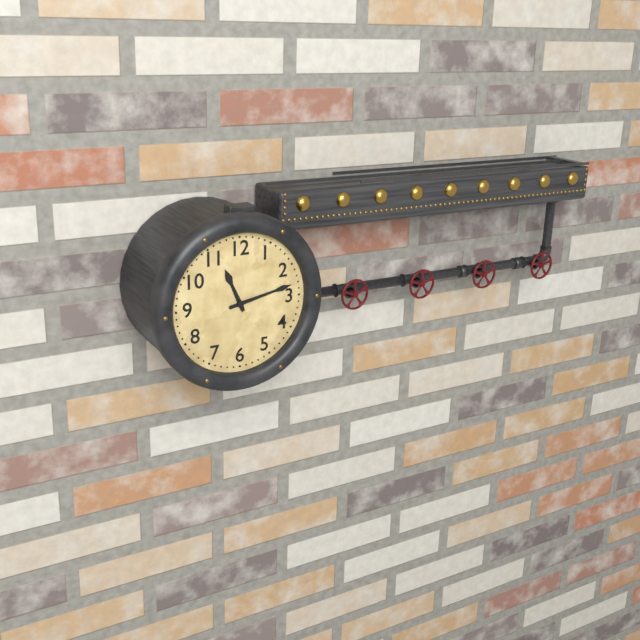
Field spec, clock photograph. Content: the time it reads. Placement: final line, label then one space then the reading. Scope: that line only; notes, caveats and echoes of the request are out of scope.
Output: 11:13
